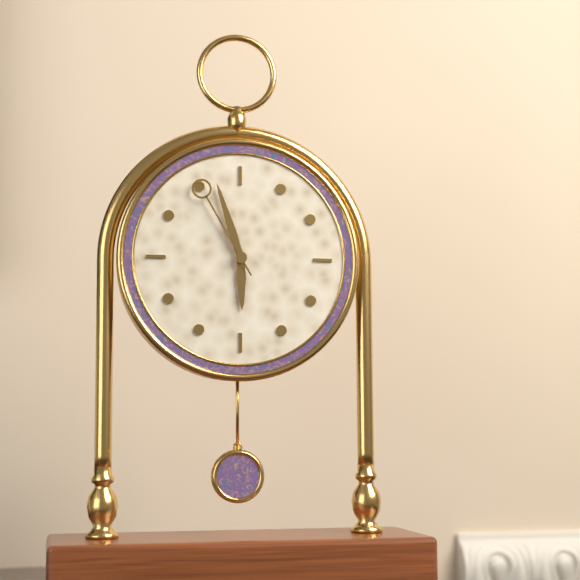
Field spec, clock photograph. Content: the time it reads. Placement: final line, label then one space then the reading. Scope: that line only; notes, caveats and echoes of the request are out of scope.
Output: 5:57:55
